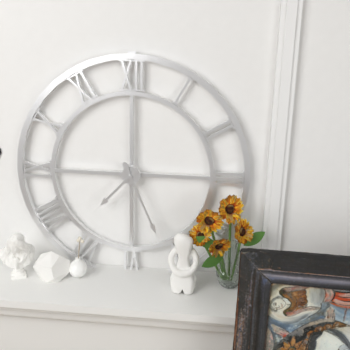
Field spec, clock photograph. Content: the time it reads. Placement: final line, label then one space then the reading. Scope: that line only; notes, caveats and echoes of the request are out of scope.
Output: 7:26
